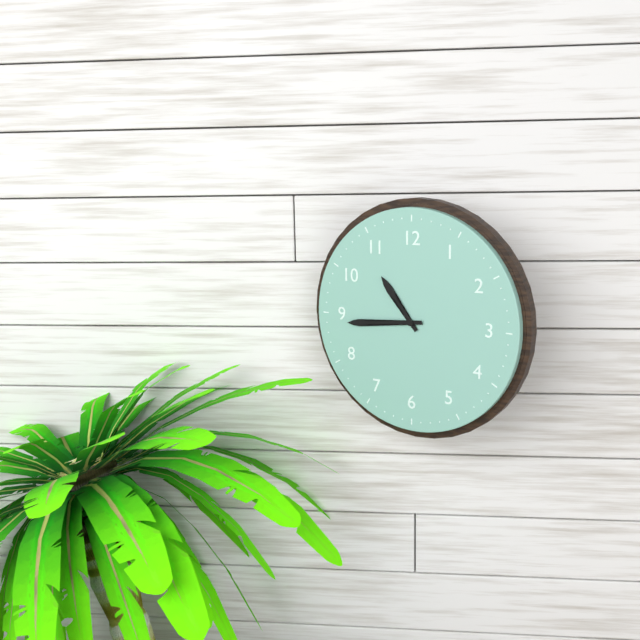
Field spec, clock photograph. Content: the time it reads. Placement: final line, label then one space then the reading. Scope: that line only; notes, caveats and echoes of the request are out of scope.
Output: 10:44
